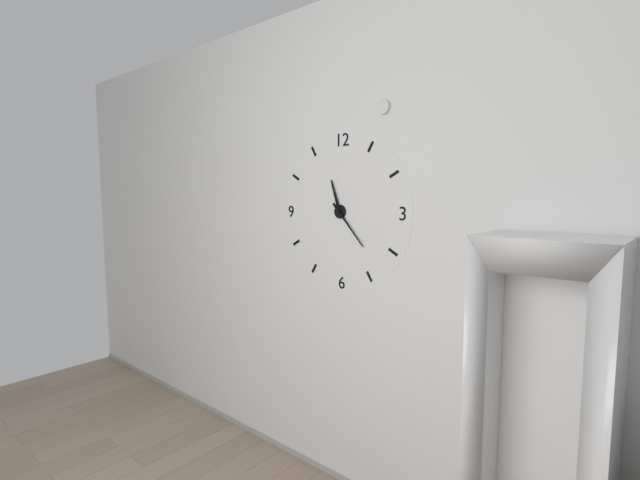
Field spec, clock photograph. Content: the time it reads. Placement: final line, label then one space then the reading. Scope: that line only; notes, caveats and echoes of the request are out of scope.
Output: 11:23
